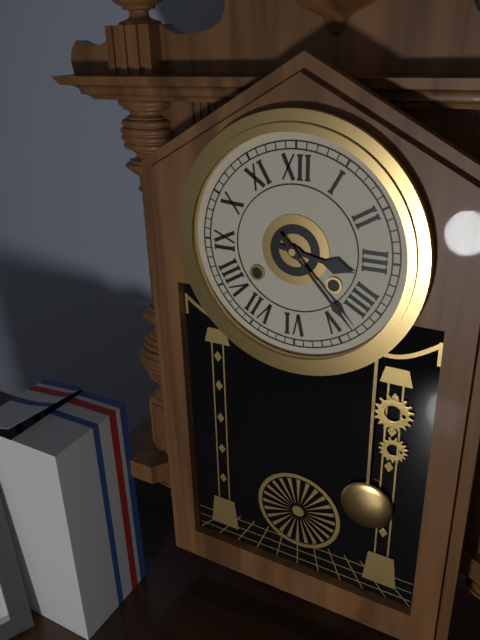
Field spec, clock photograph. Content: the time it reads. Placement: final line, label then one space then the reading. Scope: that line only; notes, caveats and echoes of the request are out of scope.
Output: 3:23
